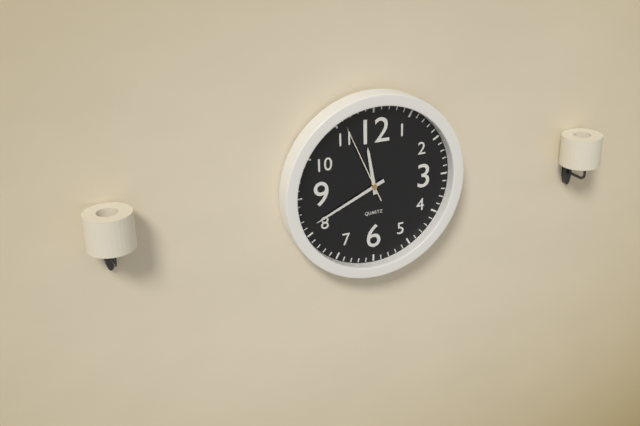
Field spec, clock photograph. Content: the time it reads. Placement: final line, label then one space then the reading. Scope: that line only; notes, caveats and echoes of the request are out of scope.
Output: 11:41:56
